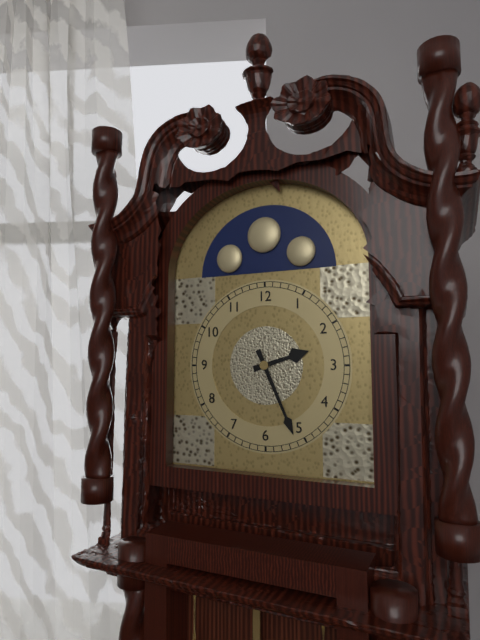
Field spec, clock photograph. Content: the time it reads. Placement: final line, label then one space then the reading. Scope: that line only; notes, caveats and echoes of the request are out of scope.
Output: 2:26
